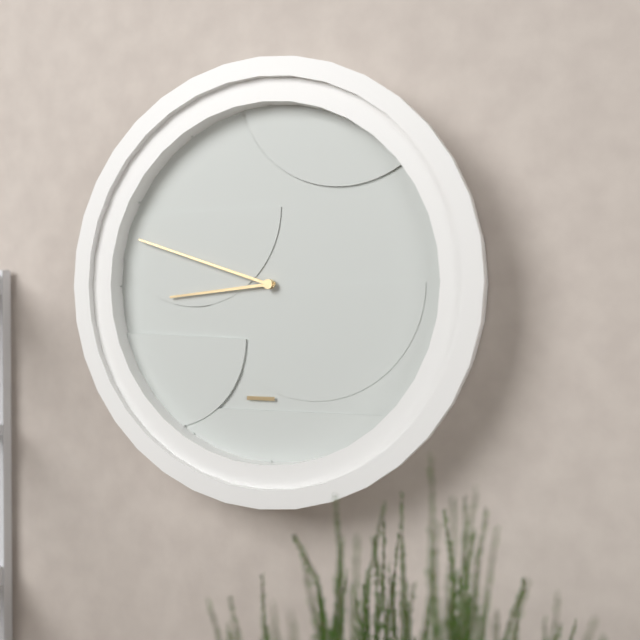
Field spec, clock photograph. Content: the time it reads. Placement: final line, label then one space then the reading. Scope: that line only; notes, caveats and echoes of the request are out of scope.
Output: 8:48
